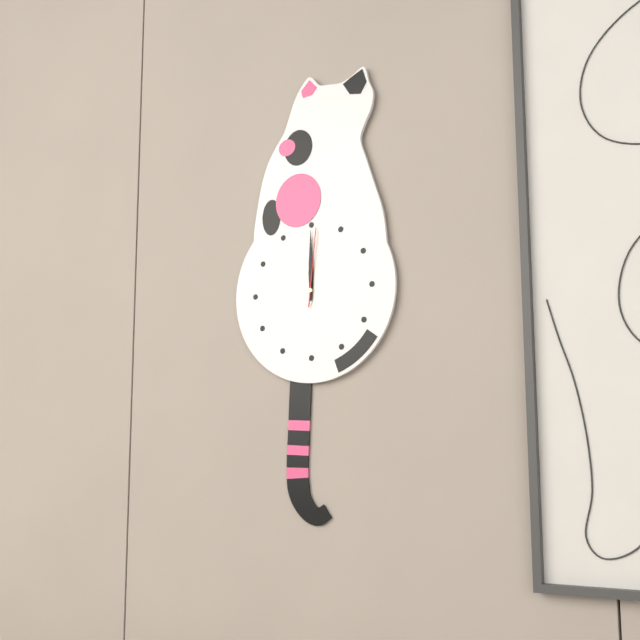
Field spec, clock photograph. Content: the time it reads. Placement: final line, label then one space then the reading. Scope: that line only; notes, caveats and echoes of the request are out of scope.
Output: 12:00:01
